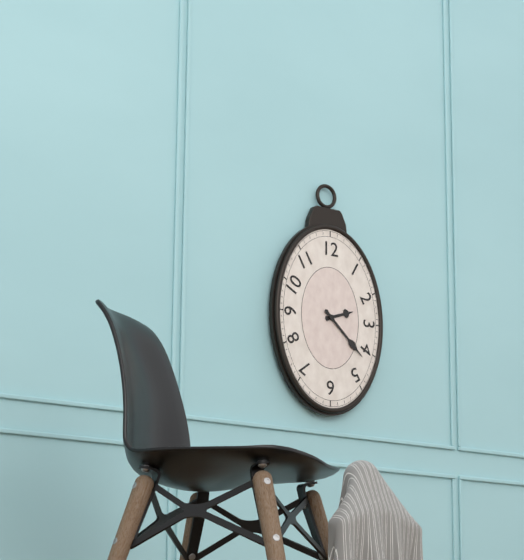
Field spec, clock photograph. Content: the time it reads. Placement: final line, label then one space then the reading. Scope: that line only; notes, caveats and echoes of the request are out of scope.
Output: 2:22
